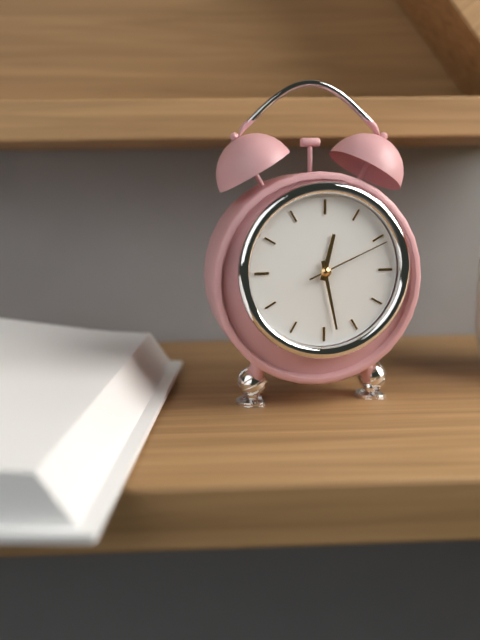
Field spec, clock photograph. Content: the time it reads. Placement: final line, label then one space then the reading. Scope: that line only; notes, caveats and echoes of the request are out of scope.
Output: 12:28:11
